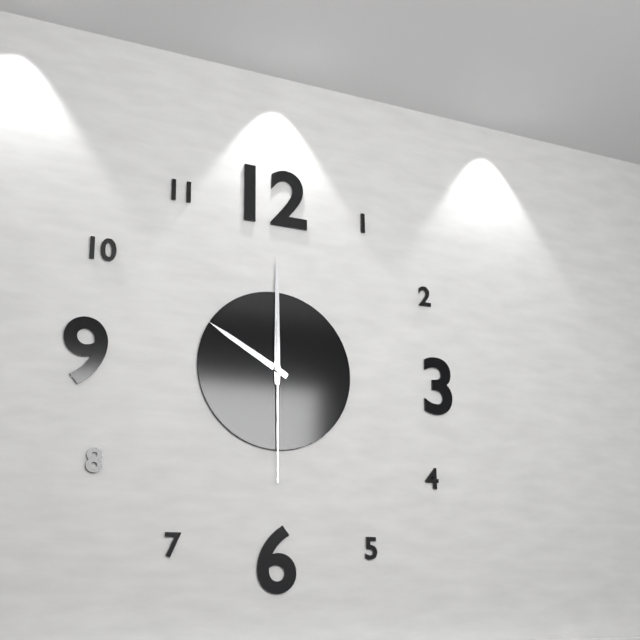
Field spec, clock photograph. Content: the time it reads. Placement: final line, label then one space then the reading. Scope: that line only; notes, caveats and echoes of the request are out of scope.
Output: 10:00:30
